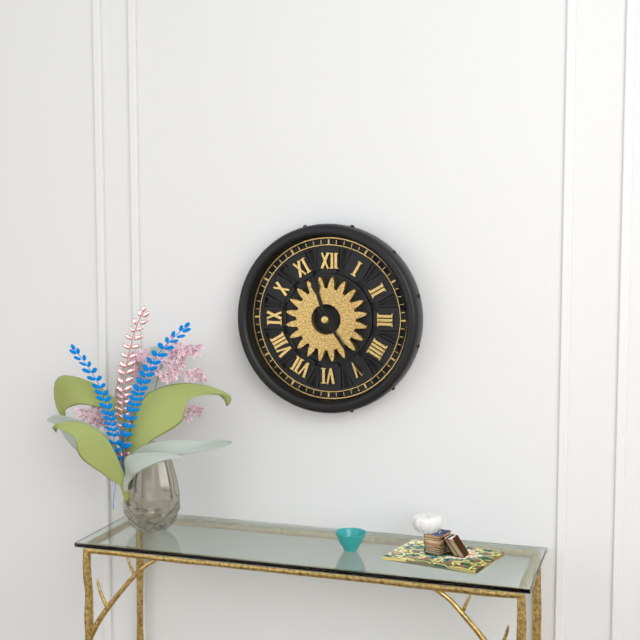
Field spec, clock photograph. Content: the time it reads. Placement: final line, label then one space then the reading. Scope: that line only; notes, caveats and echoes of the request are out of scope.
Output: 11:24
